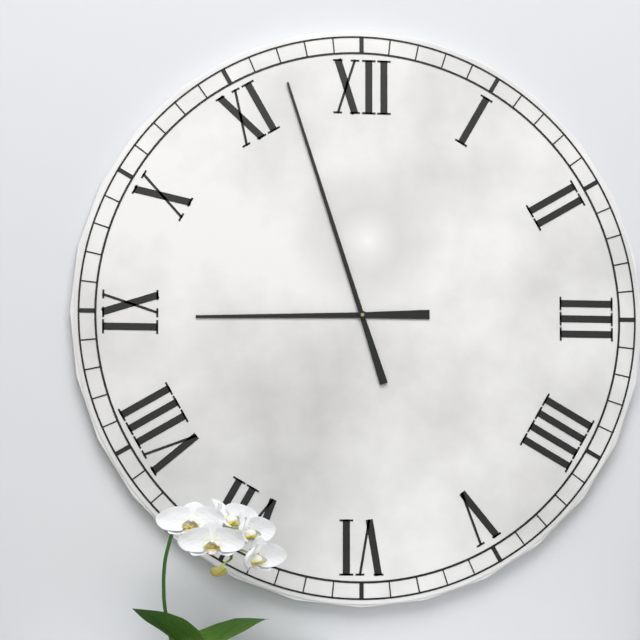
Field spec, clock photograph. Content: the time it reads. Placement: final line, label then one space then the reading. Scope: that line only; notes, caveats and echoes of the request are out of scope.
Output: 8:57
